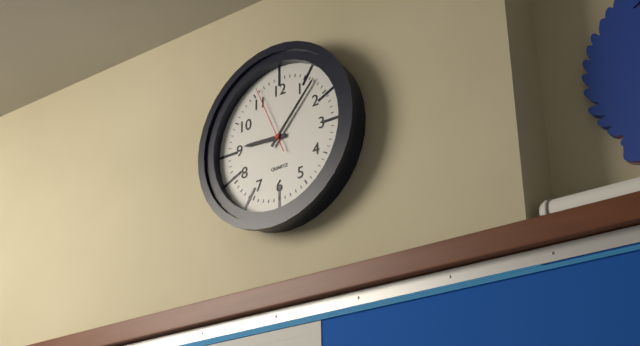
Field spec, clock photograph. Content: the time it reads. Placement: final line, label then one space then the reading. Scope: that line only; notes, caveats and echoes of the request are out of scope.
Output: 9:07:56
